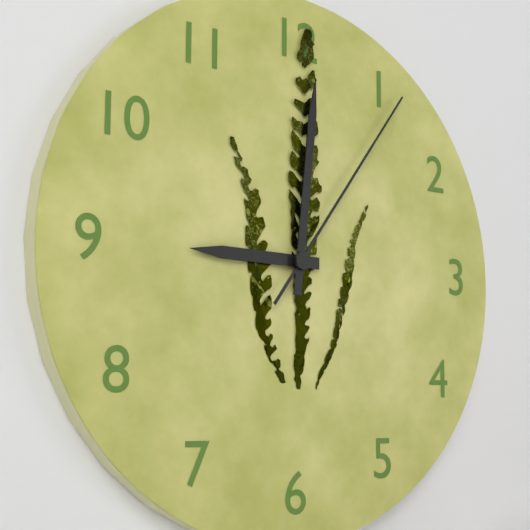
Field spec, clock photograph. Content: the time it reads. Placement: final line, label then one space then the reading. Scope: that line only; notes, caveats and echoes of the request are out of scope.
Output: 9:01:06
